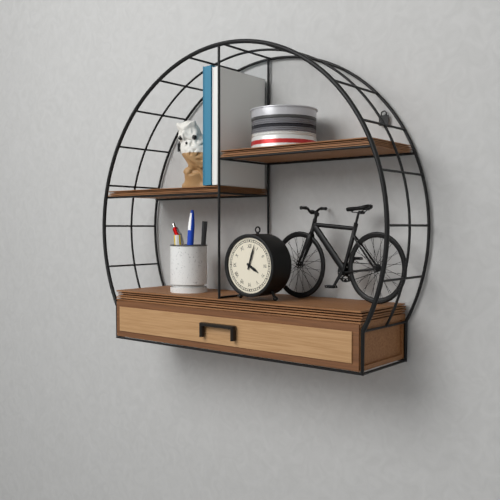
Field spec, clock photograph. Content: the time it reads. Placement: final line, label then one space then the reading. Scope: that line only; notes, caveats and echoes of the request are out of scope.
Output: 4:03
